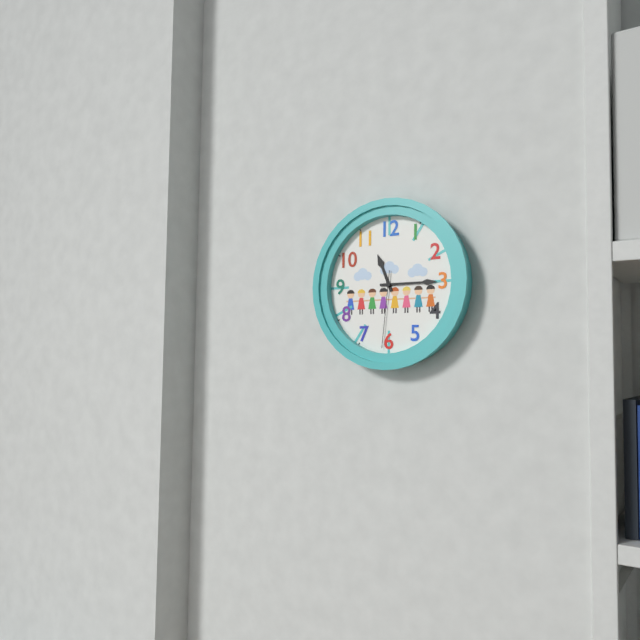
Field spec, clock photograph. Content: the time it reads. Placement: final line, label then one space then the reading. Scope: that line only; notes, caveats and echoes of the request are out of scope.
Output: 11:15:31
